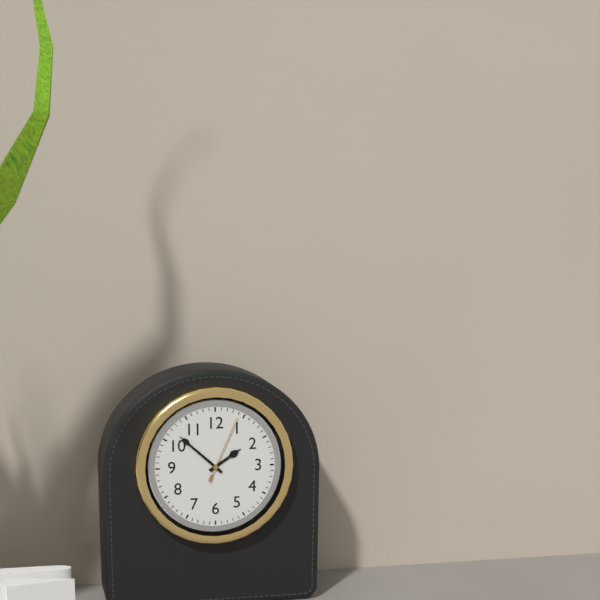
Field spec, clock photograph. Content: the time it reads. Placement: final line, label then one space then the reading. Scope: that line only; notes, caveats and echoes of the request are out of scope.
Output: 1:52:04
